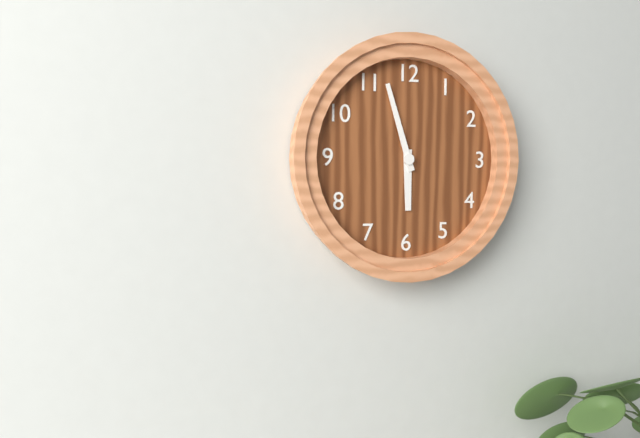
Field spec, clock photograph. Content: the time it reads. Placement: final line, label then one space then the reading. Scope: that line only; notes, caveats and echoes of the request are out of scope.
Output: 5:57
